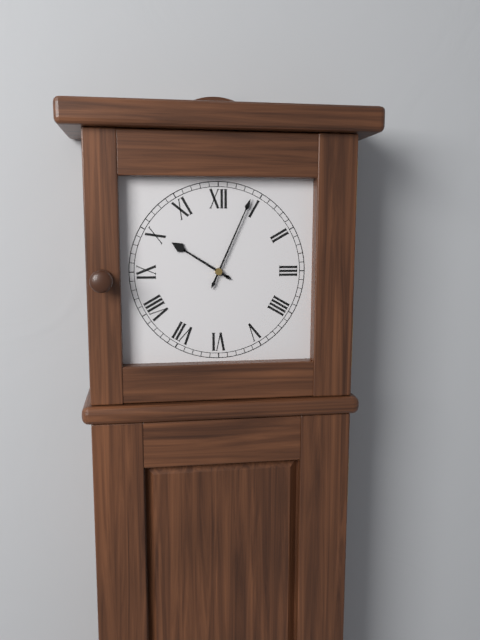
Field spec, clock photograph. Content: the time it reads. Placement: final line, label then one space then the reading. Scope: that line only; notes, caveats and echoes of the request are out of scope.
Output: 10:04
